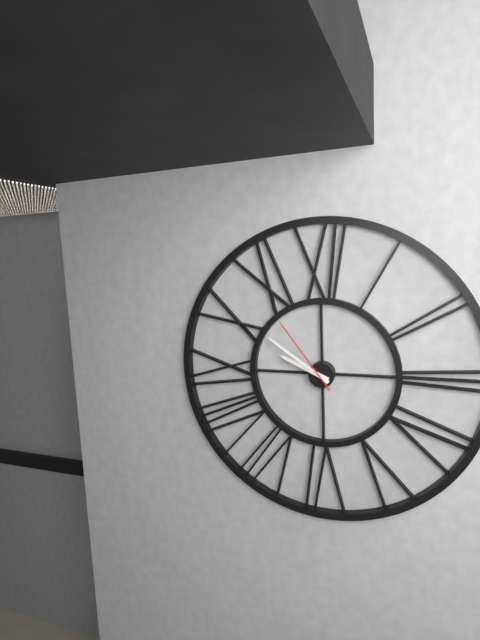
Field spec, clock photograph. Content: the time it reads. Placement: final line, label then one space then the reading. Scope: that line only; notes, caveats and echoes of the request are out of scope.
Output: 9:51:54
